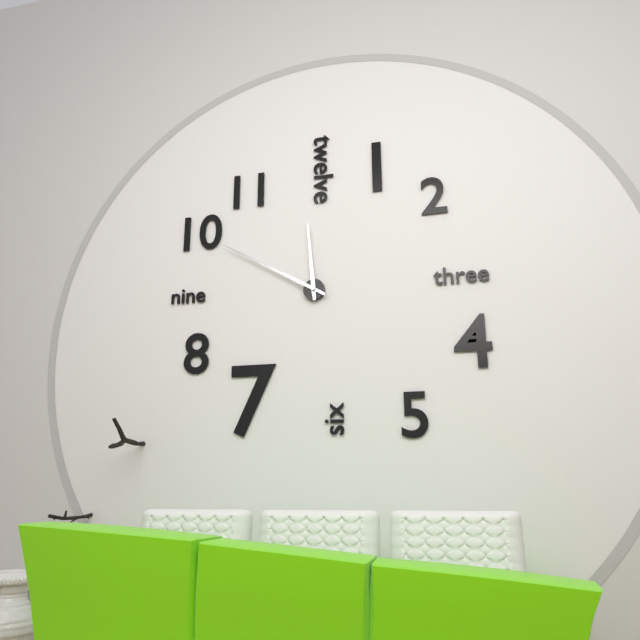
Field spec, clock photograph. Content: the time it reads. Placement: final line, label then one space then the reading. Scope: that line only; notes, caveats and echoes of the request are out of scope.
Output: 11:50
